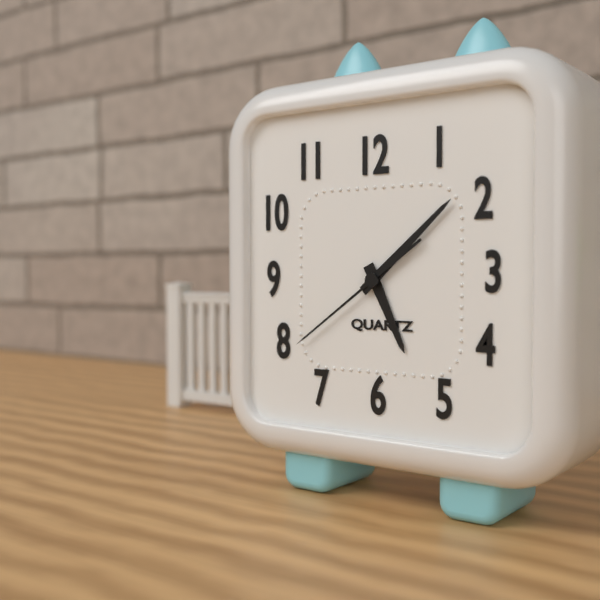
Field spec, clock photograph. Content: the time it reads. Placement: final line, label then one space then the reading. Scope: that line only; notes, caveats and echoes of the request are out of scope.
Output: 5:08:39
